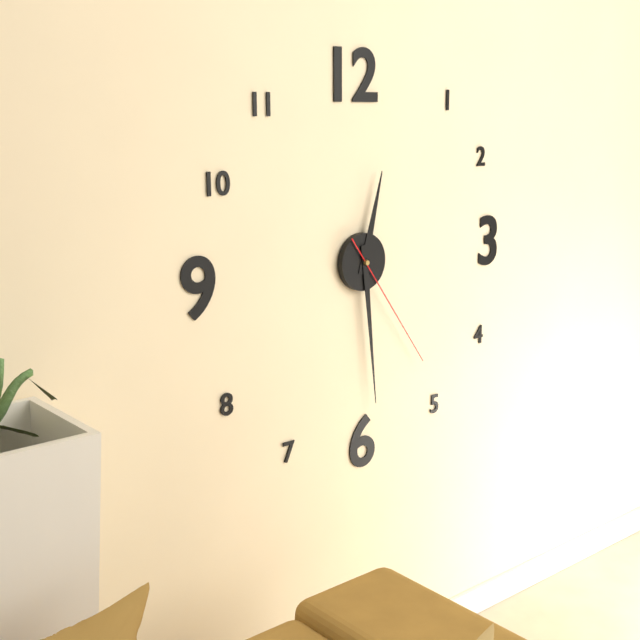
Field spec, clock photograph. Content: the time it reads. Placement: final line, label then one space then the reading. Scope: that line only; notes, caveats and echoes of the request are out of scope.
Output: 12:29:24
